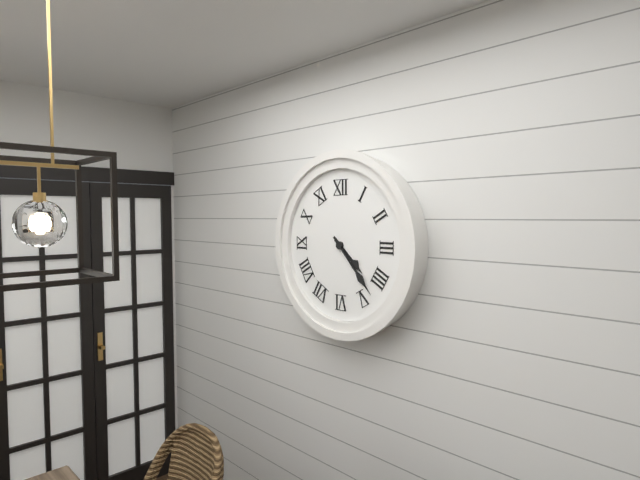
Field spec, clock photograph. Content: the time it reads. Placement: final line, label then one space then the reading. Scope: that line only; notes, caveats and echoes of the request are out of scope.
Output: 4:23
